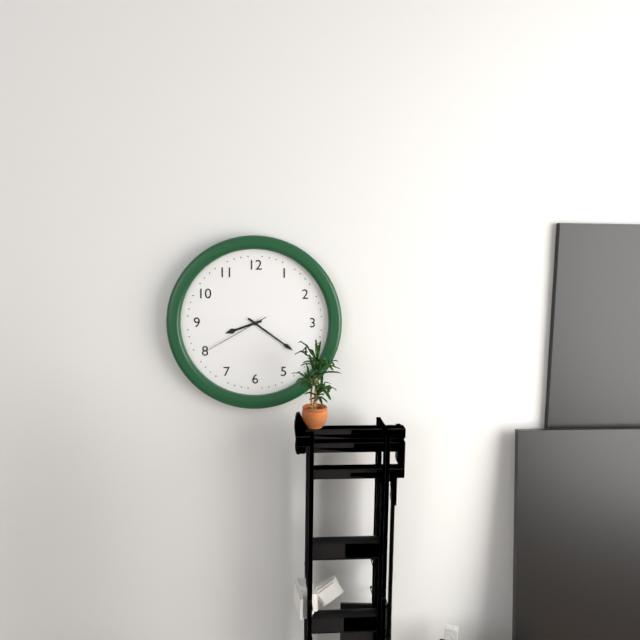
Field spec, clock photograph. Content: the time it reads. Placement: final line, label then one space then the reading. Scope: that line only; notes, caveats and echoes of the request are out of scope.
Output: 8:21:40
